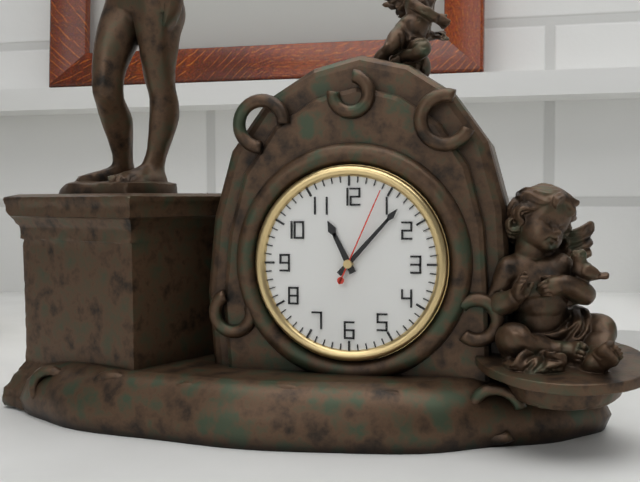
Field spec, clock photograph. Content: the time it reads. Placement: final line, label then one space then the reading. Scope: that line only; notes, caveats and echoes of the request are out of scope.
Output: 11:07:04
